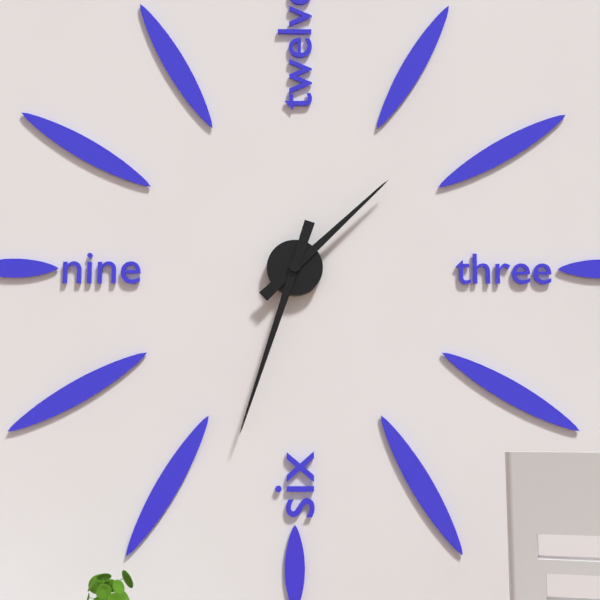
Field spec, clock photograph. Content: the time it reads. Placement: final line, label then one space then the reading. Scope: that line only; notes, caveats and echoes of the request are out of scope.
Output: 1:33
